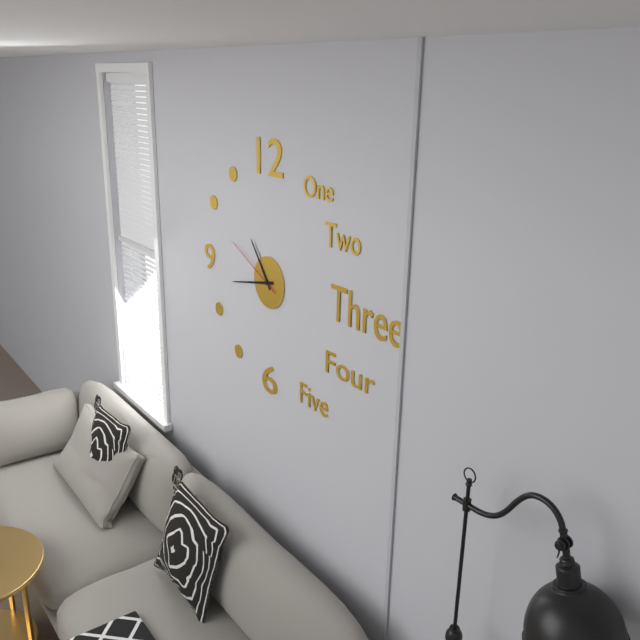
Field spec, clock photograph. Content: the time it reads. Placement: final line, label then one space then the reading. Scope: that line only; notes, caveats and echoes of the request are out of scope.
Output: 10:43:49
